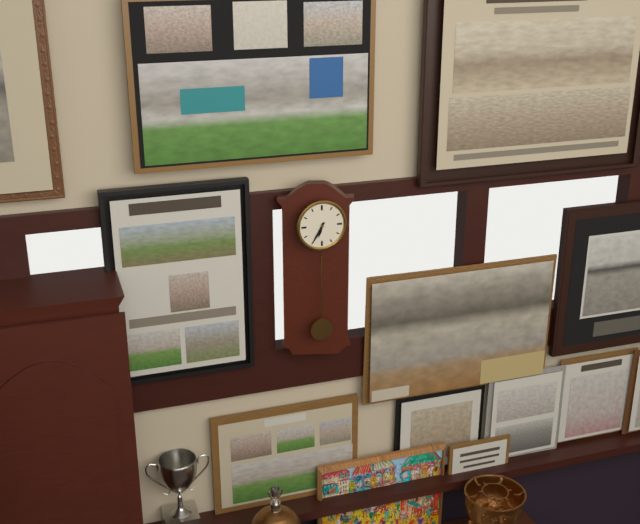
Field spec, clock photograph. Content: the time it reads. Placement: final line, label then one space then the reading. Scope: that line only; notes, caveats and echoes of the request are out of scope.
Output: 6:35
